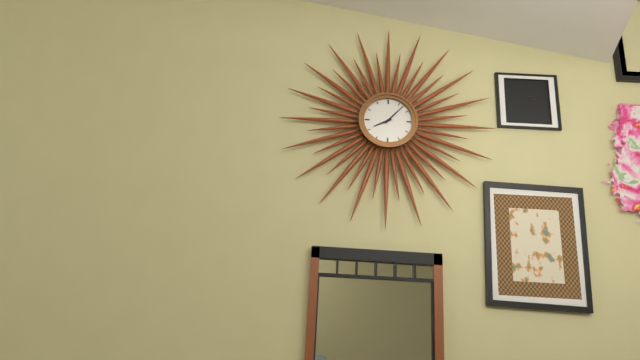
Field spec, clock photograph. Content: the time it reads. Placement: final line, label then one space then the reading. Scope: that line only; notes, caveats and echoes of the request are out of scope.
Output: 8:07
